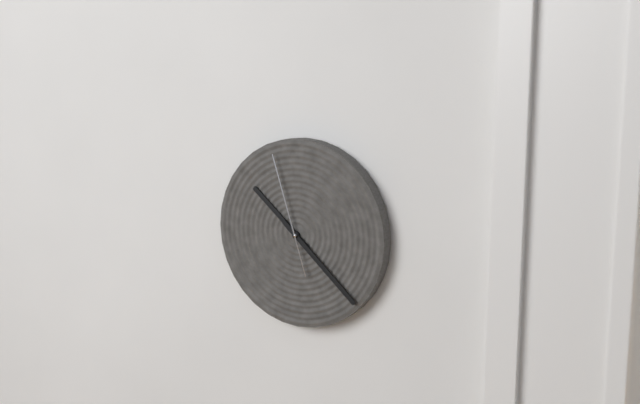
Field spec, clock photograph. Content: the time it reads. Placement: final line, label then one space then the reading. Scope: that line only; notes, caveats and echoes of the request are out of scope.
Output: 10:22:57
